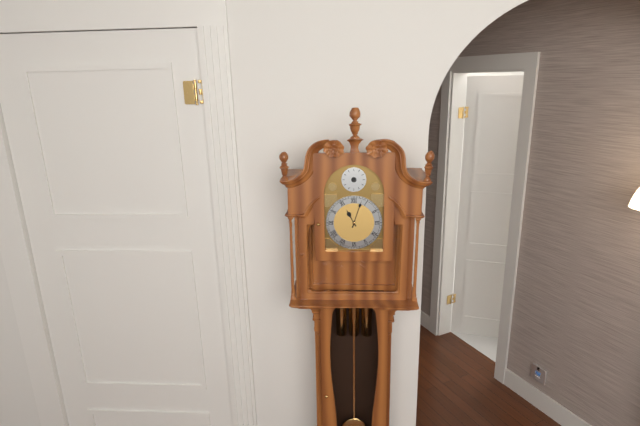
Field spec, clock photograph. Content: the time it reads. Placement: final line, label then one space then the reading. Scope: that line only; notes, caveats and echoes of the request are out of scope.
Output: 11:03
